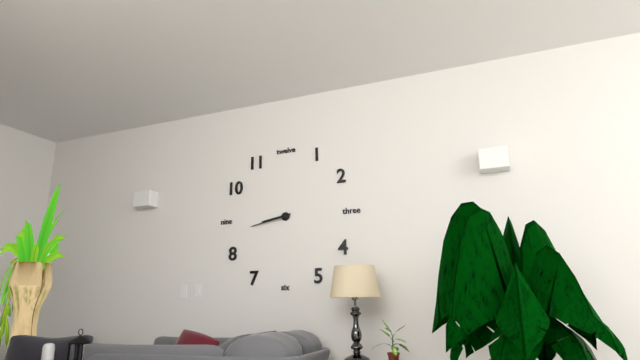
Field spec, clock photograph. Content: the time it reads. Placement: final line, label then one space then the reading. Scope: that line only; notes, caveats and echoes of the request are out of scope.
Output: 8:43
